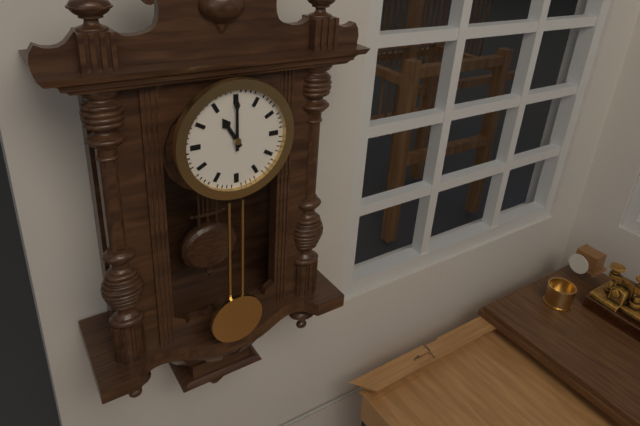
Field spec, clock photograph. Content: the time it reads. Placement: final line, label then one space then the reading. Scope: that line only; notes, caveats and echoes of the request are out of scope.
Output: 11:00
